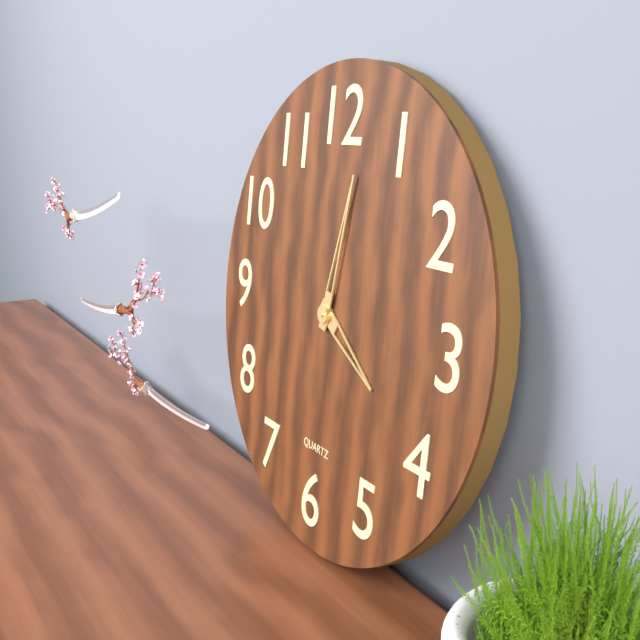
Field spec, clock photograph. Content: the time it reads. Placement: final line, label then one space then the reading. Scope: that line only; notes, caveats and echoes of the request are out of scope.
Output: 4:02
